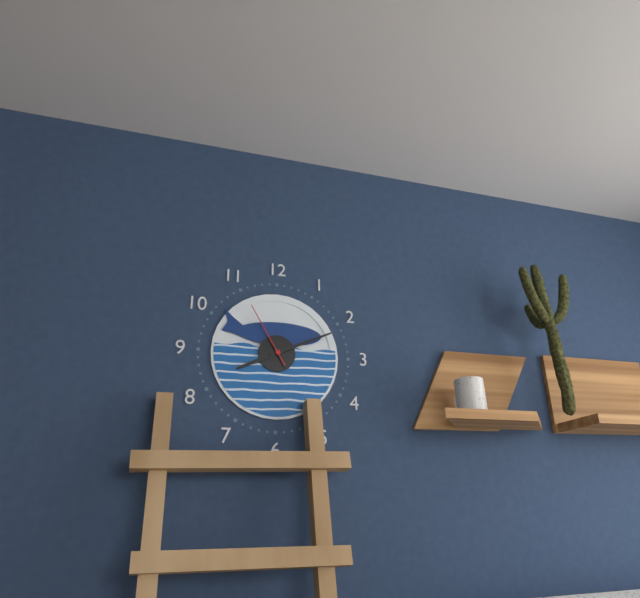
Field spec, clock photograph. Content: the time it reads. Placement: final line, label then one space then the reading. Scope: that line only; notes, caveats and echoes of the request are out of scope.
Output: 8:11:55
